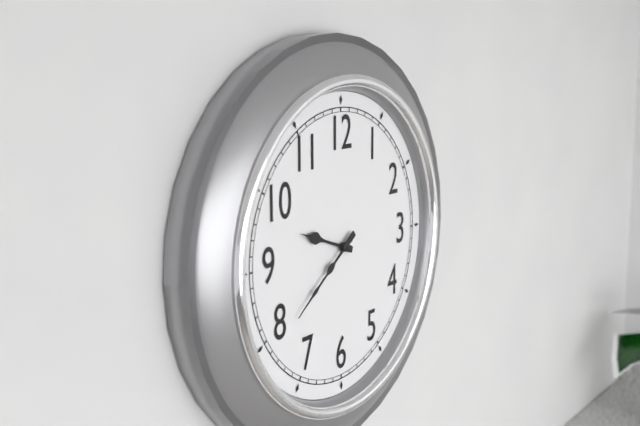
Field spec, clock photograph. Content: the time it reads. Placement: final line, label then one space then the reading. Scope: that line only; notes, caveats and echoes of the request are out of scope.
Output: 9:39
